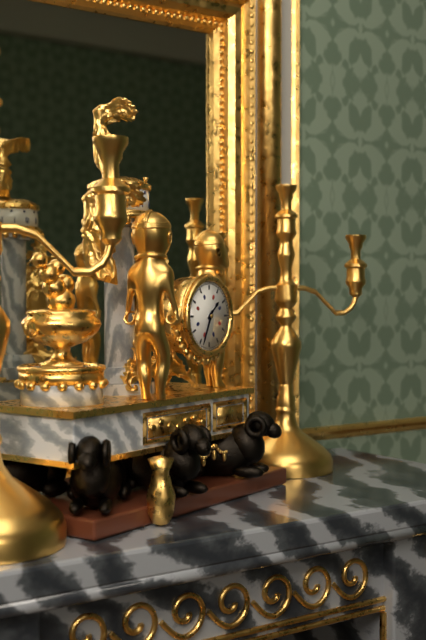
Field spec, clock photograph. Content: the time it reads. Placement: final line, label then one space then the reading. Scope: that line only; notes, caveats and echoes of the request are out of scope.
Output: 1:34
